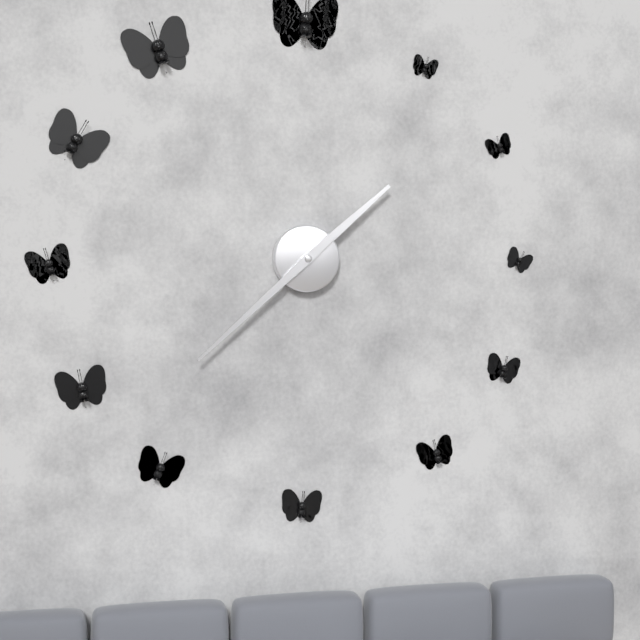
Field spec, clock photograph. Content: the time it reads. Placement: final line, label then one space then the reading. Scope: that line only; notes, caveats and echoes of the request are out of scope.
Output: 1:38
